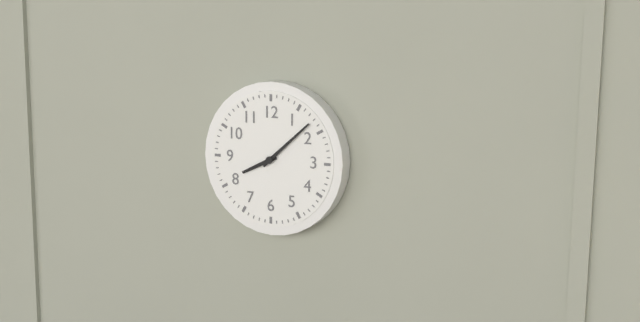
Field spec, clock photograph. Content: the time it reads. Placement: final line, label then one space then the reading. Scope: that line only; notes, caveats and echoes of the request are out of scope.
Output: 8:08
